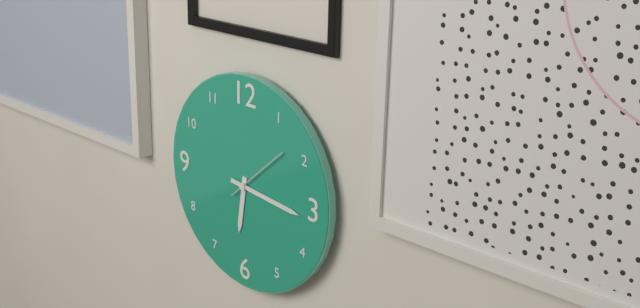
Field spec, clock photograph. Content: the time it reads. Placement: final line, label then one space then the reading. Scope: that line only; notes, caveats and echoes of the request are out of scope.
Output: 6:16
